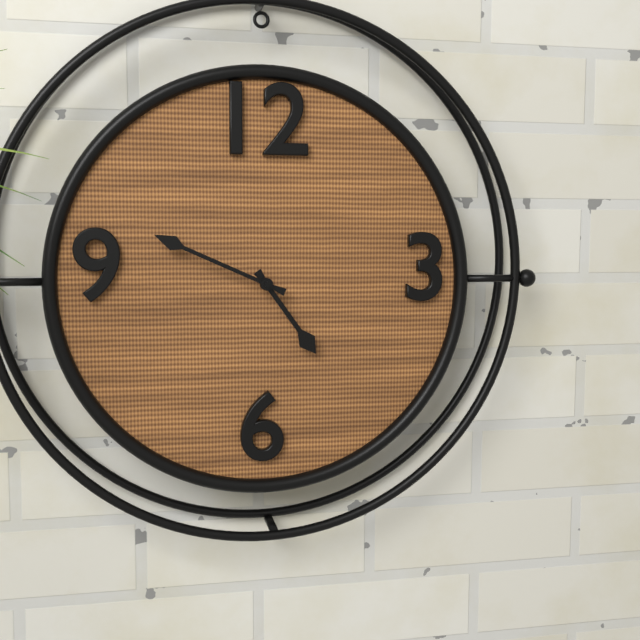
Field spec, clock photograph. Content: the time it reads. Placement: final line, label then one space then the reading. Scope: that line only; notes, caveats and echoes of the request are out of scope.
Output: 4:49
